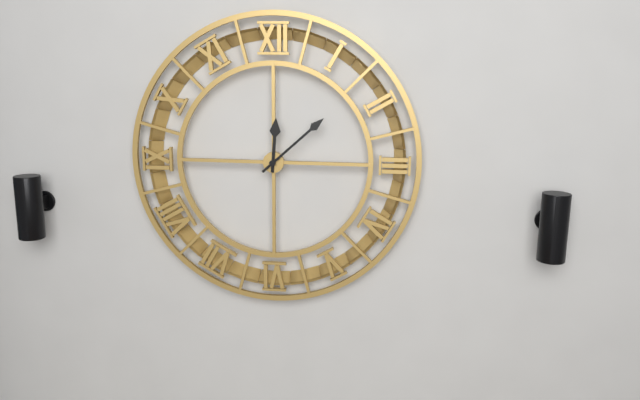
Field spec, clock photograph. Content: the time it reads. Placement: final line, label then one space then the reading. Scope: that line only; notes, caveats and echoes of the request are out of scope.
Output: 12:08
